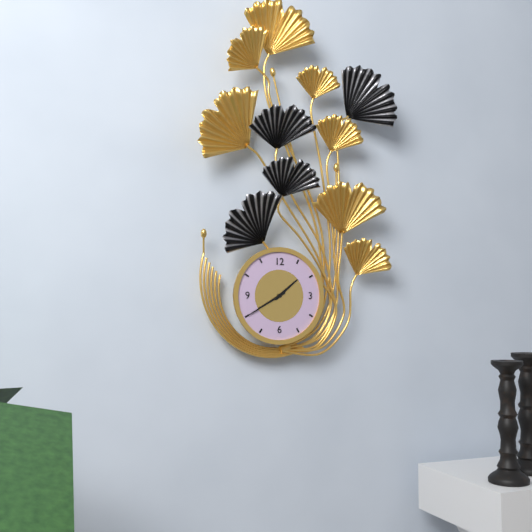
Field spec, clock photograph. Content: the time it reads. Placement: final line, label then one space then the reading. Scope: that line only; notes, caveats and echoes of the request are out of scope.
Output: 1:40
